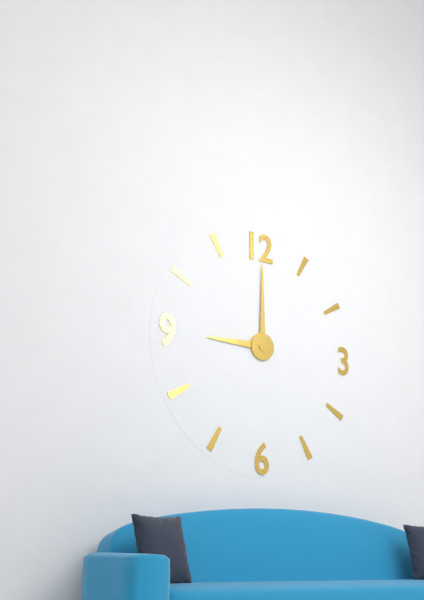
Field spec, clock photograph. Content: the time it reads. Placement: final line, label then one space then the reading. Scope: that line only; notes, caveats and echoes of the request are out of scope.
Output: 9:00
